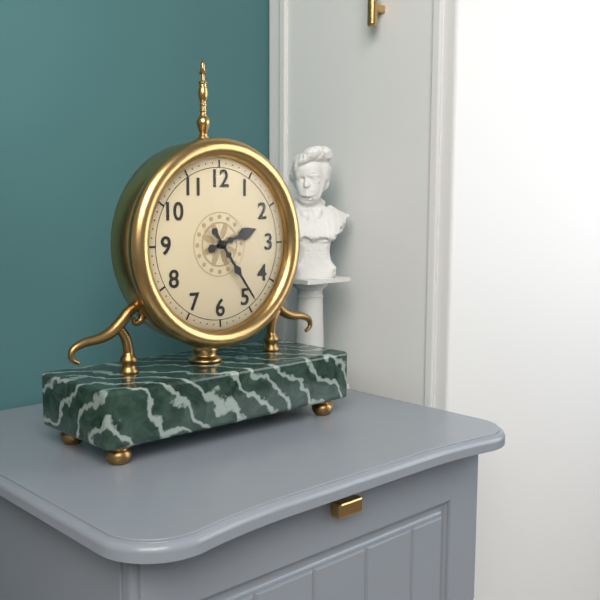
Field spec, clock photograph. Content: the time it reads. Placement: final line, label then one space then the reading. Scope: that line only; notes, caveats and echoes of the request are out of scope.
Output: 2:24
